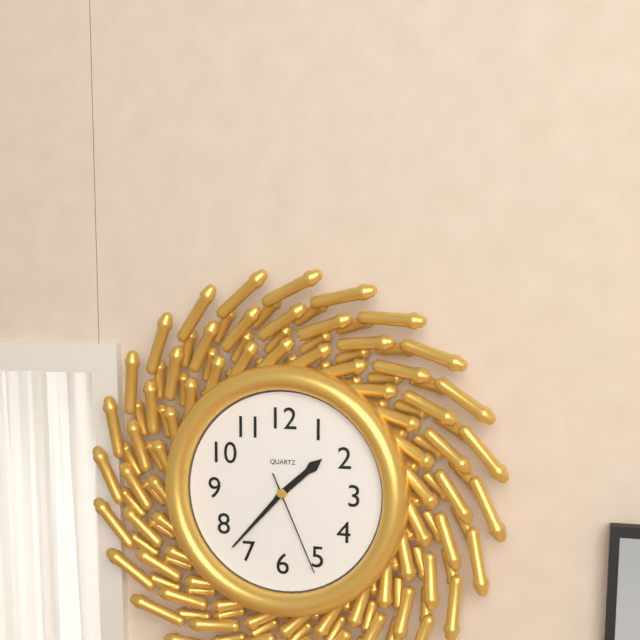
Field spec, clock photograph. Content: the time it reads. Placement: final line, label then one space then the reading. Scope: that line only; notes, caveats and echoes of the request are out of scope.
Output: 1:37:26
